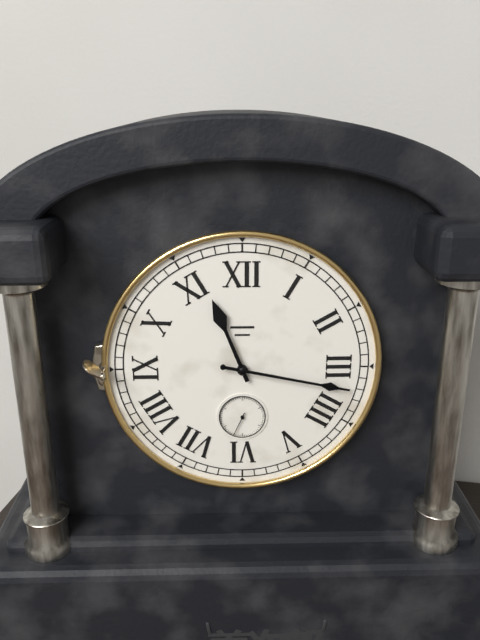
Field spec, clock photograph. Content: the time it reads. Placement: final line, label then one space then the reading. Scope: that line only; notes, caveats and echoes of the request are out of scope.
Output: 11:17
